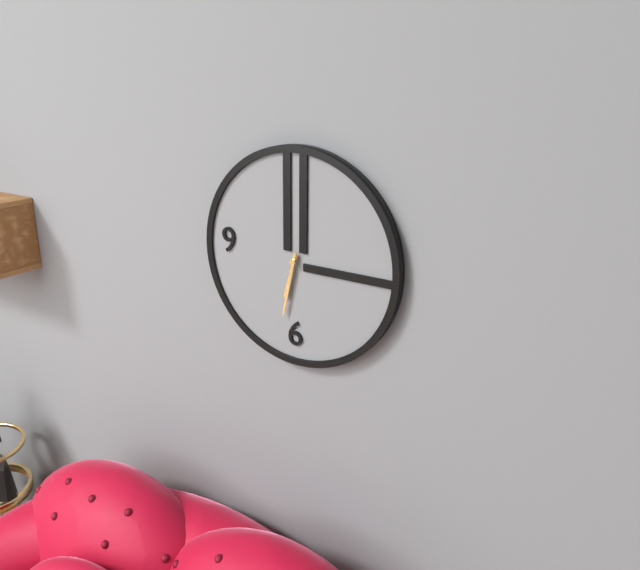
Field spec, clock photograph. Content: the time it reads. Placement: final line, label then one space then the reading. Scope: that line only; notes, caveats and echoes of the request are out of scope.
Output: 6:32
